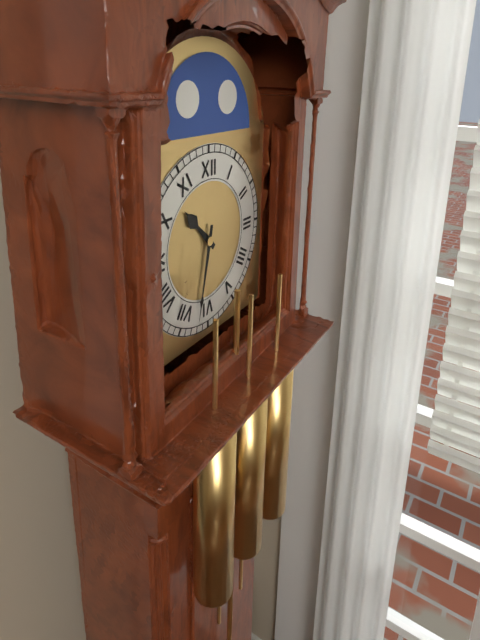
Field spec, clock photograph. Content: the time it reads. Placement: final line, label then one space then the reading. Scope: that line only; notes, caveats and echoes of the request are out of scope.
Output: 10:32
